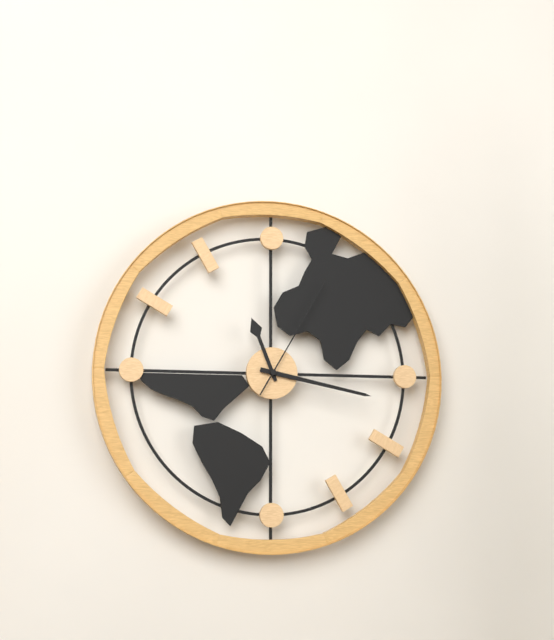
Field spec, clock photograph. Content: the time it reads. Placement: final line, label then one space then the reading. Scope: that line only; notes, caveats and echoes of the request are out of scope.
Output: 11:17:05
